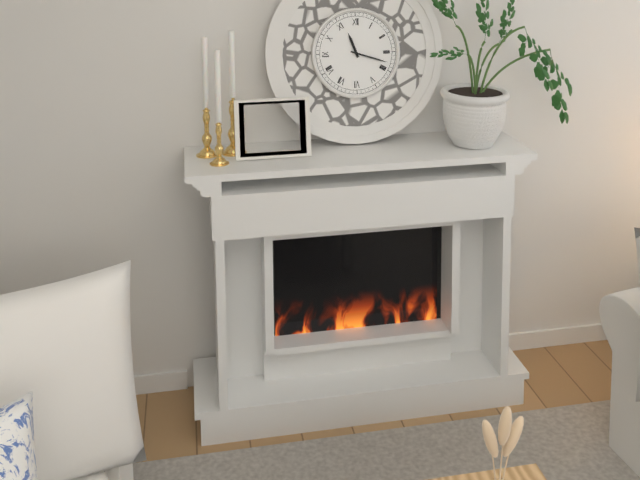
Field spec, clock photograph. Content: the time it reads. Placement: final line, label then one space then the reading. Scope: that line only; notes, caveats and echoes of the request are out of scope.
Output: 11:18
